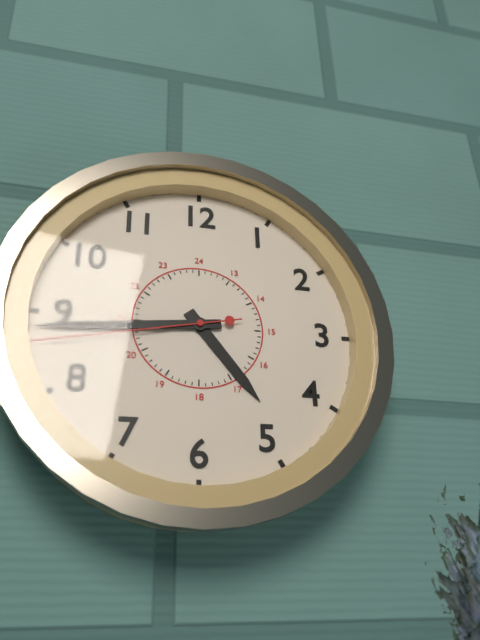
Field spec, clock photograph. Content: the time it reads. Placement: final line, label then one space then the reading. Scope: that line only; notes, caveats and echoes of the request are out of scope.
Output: 4:44:43
